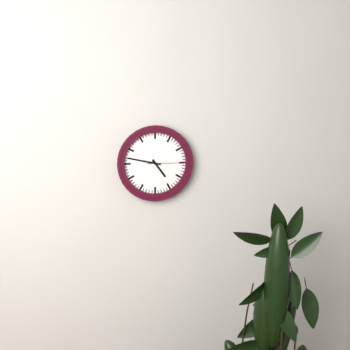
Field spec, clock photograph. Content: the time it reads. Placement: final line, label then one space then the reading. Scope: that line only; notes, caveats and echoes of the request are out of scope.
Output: 4:47
